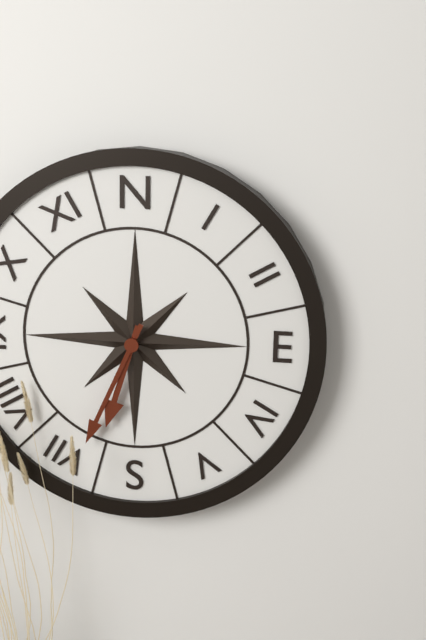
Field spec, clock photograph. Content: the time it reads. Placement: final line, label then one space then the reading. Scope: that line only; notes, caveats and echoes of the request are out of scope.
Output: 6:34
